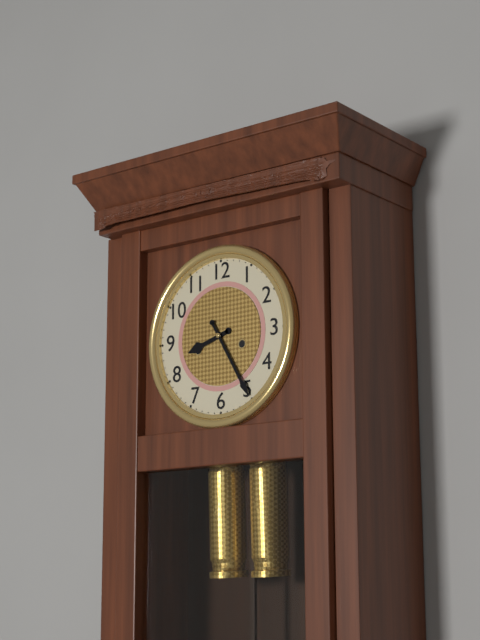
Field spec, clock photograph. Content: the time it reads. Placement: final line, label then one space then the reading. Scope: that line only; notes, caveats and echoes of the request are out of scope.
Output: 8:25
